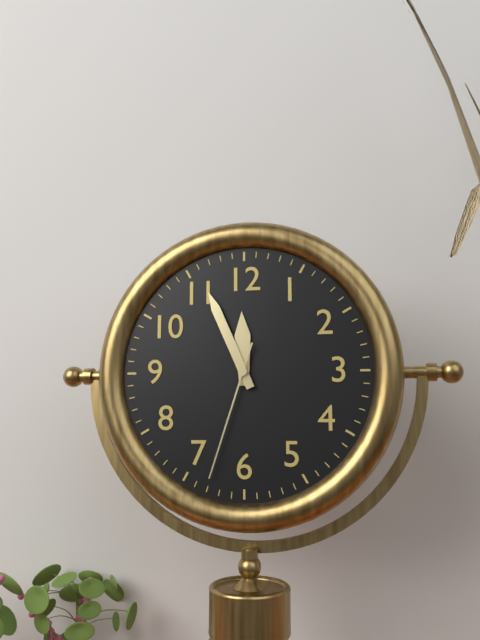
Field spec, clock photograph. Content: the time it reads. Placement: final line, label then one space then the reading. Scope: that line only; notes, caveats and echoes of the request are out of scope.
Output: 11:56:33
